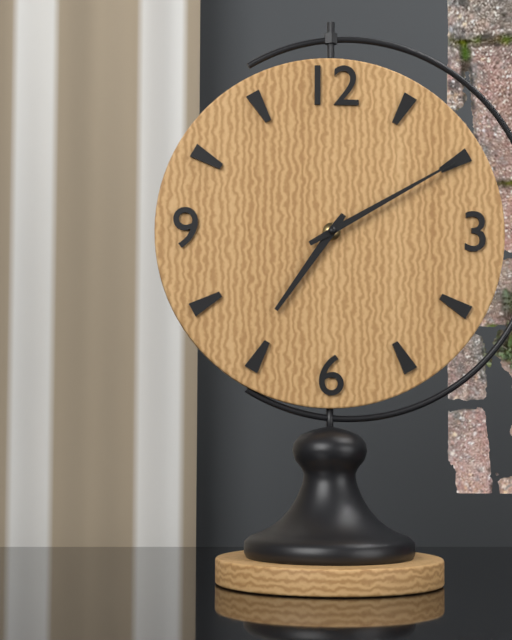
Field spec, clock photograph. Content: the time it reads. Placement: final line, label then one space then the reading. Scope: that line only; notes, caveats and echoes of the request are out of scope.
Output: 7:10
